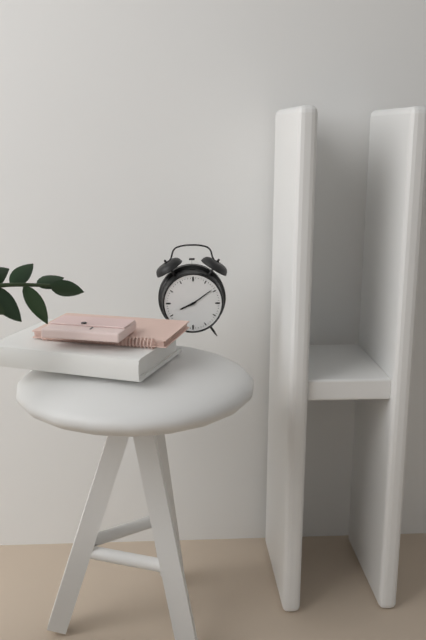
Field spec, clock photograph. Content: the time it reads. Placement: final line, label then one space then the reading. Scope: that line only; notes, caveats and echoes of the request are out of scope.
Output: 8:09
